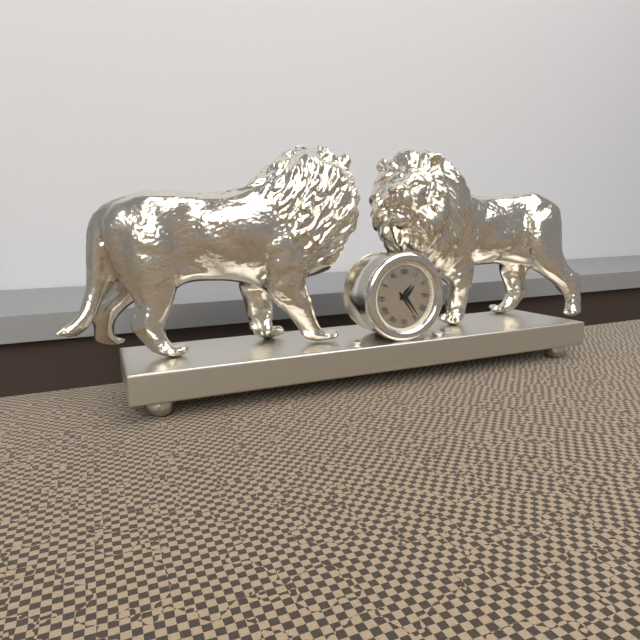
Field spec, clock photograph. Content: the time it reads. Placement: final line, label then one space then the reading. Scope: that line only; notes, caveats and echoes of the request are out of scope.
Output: 1:24
